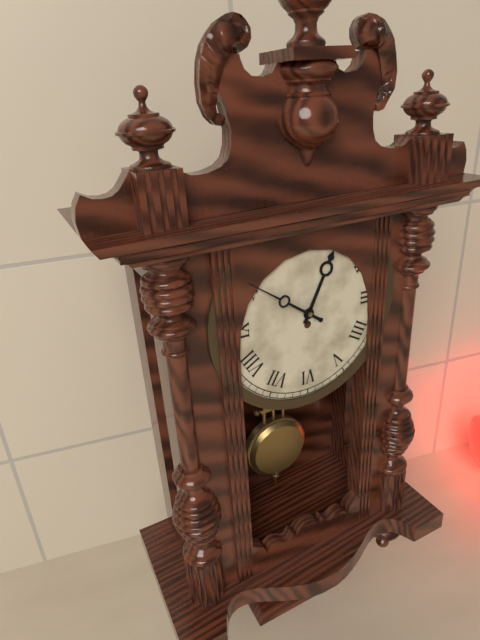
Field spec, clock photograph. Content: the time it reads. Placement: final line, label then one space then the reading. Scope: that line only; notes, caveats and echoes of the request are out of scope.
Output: 12:51
